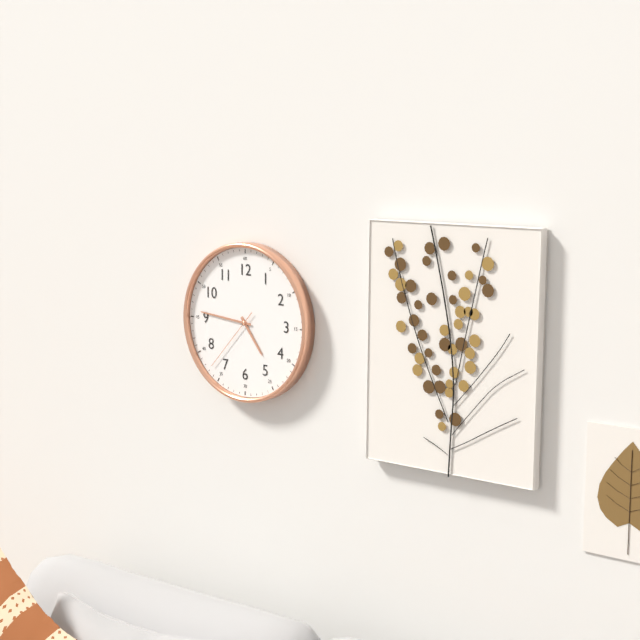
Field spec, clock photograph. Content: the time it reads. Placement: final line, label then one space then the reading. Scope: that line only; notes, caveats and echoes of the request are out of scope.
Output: 4:46:37
